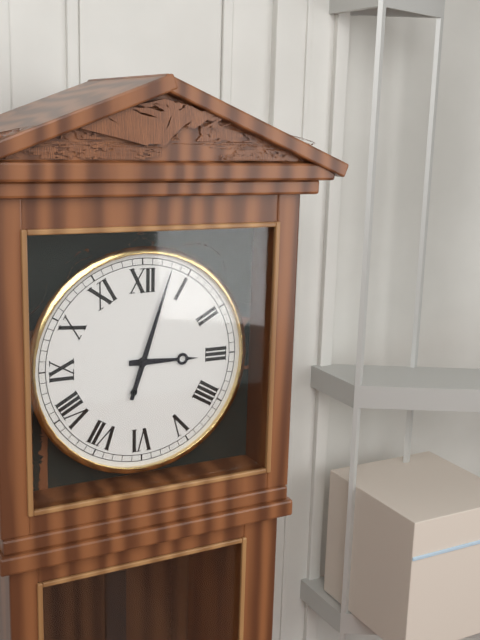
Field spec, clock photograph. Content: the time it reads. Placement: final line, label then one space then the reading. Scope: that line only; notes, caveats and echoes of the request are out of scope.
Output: 3:03
